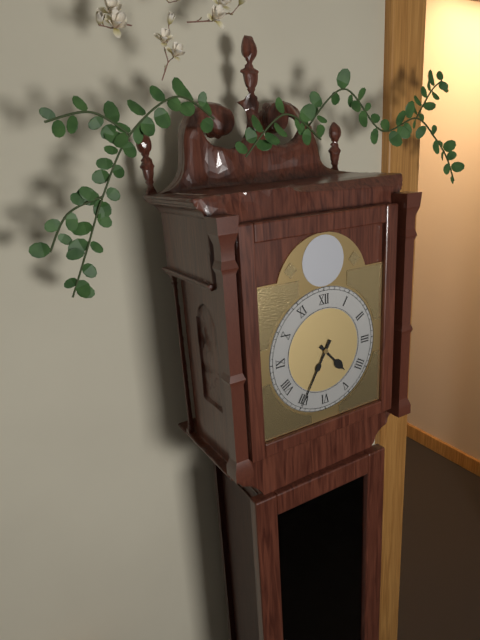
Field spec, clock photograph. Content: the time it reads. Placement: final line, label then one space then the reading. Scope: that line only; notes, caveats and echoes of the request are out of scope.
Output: 4:35
